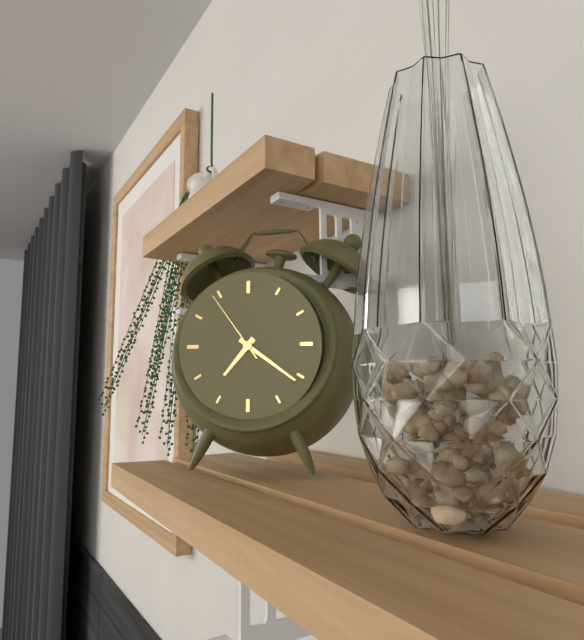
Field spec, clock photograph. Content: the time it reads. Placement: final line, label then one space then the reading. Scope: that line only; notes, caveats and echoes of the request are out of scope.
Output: 7:21:54
